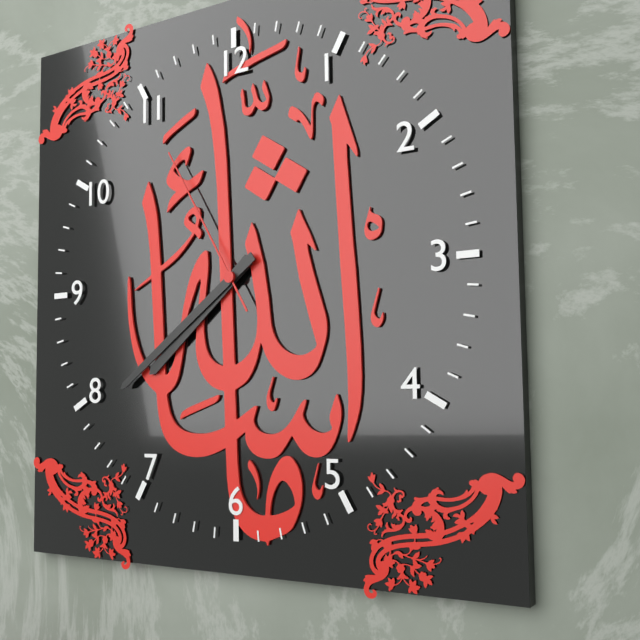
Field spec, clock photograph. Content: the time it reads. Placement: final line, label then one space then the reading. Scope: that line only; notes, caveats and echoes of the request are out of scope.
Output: 7:39:55
